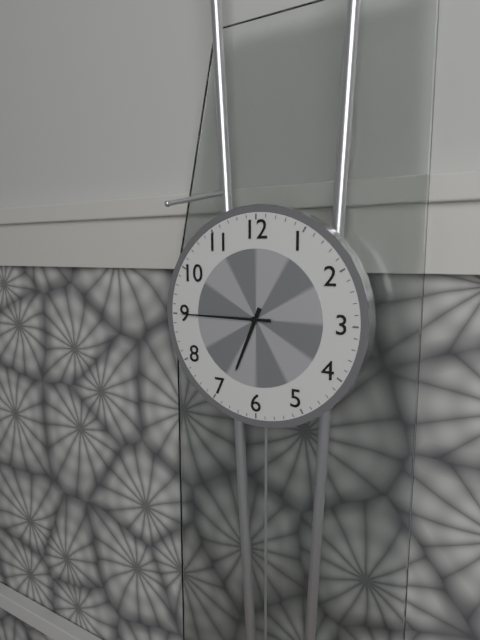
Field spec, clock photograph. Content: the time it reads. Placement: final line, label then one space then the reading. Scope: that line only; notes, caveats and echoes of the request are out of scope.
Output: 6:45
